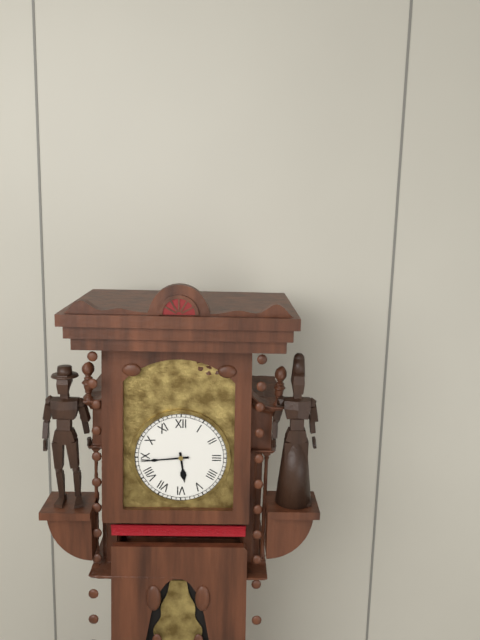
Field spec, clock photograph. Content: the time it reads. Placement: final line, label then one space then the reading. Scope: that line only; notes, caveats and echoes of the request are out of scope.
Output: 5:44
